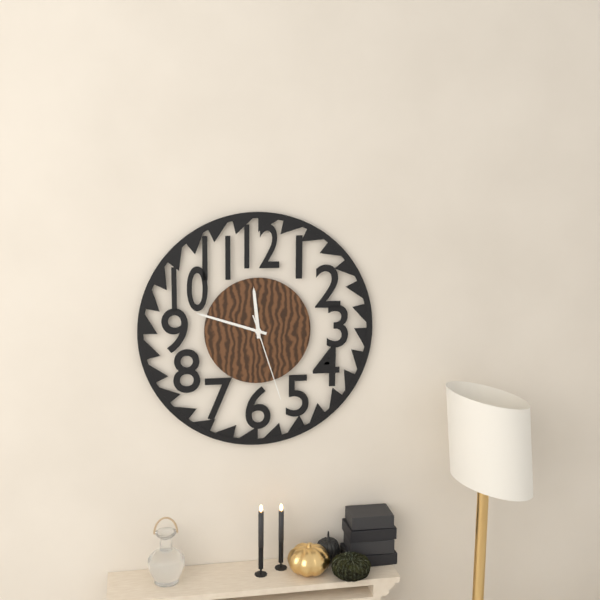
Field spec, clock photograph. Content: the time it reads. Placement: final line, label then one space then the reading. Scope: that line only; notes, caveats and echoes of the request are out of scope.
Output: 11:48:27
